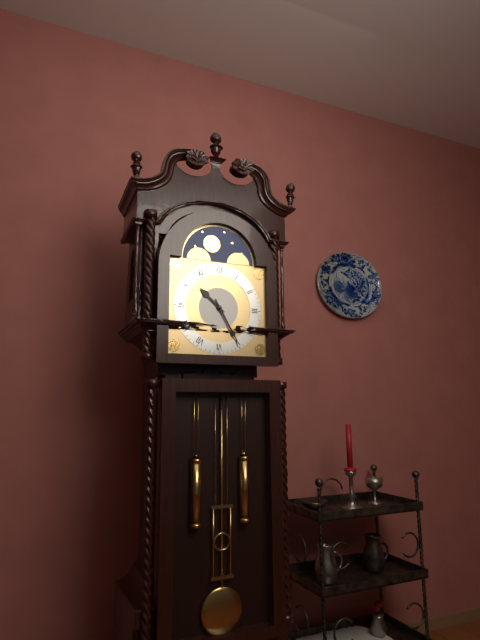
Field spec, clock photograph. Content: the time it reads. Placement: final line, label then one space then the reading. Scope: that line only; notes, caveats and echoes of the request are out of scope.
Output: 10:25
